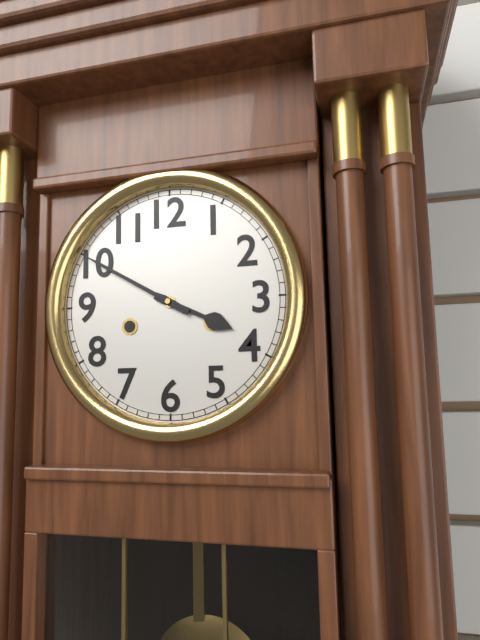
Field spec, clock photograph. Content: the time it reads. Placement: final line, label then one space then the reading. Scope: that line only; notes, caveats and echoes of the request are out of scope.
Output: 3:50
